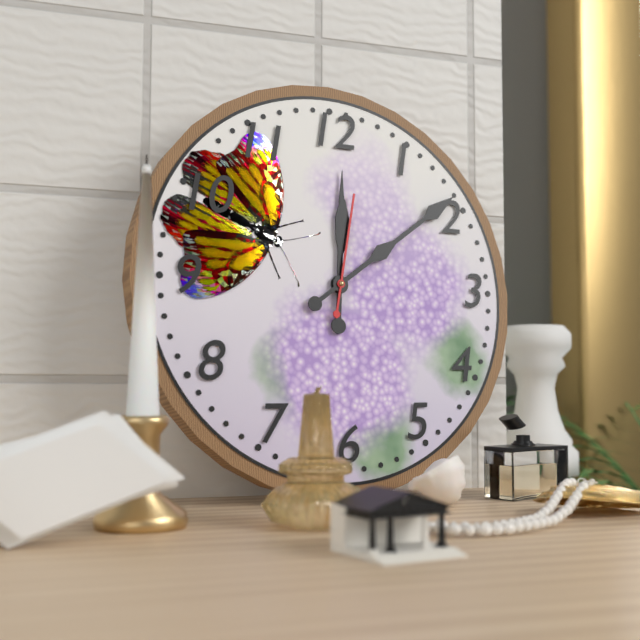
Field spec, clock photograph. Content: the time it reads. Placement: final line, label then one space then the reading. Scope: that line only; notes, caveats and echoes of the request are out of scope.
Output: 12:09:02
